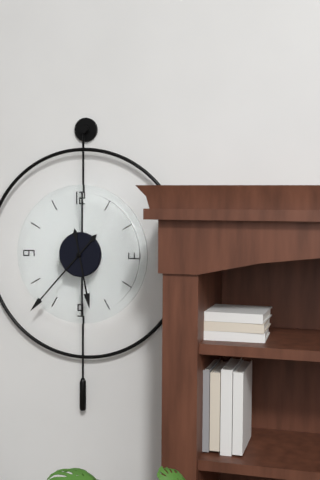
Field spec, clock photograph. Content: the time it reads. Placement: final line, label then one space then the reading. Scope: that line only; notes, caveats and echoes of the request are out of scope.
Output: 5:37
